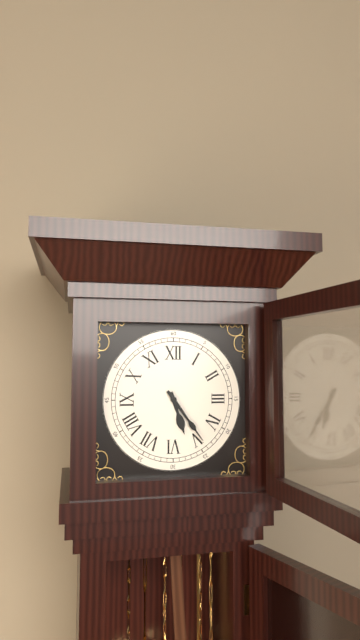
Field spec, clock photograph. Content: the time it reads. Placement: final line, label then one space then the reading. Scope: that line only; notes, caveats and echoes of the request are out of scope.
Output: 5:24
